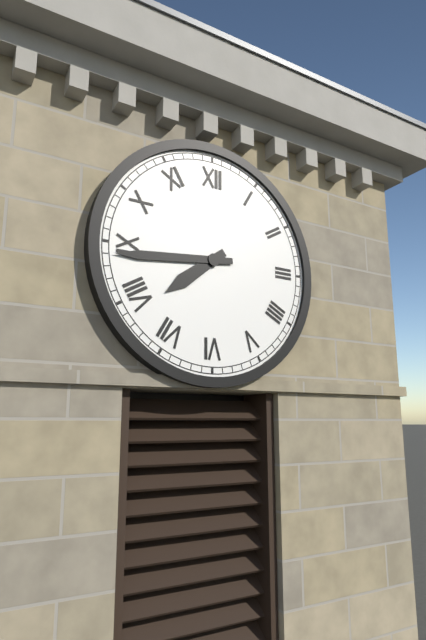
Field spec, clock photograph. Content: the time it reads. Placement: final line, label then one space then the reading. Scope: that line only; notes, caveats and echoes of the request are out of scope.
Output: 7:44
